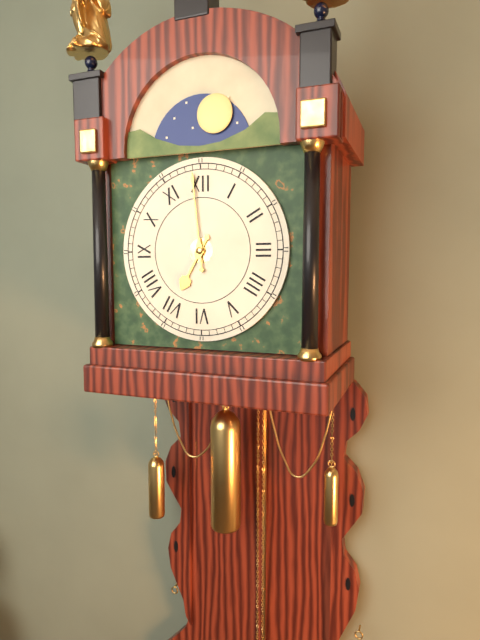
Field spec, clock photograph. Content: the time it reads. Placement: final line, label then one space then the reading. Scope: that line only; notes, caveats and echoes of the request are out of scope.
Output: 6:59
